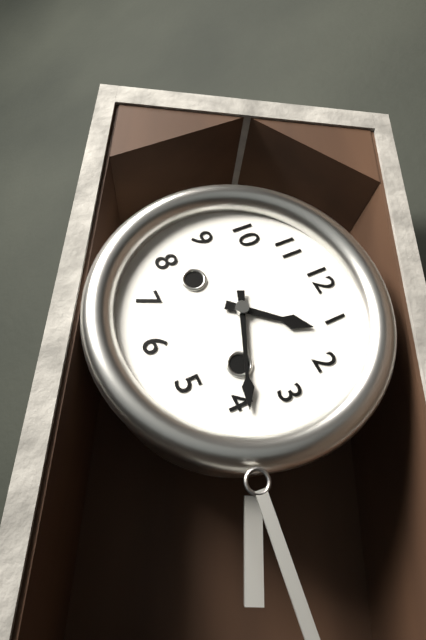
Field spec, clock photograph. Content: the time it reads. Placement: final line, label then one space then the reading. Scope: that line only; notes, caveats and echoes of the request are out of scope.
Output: 1:19
